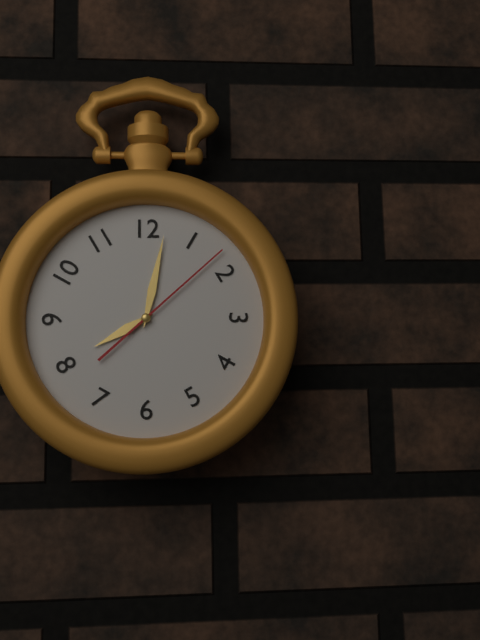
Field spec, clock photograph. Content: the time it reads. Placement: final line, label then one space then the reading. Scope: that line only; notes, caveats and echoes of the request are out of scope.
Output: 8:02:08
